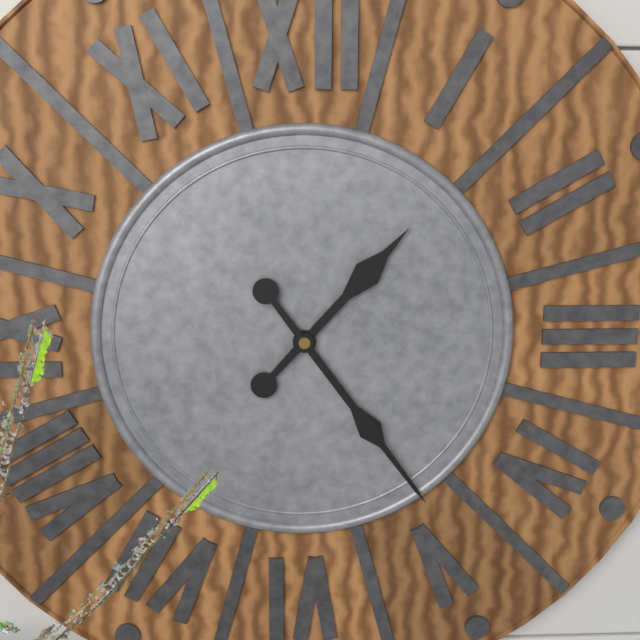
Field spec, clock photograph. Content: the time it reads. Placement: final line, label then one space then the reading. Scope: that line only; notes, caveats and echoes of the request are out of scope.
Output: 1:24
